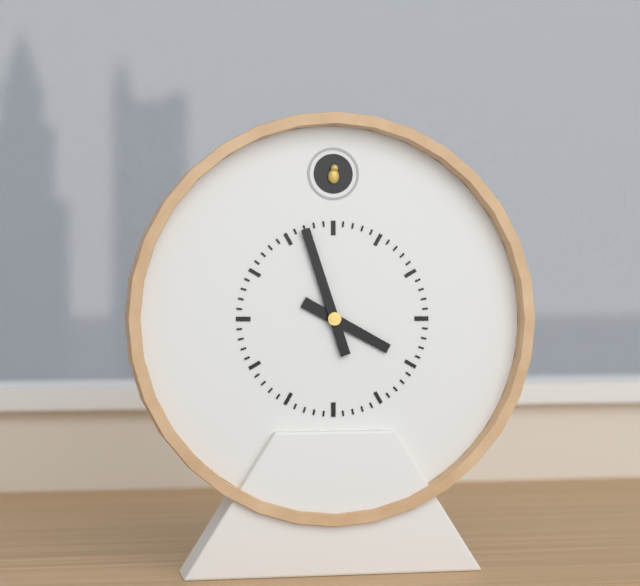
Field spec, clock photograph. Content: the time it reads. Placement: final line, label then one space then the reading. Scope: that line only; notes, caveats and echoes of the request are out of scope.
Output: 3:57
